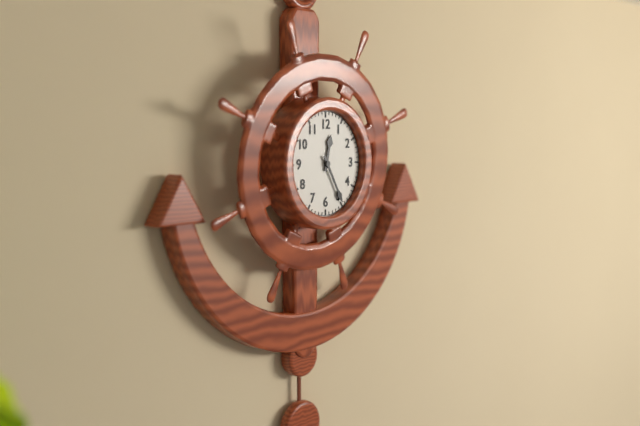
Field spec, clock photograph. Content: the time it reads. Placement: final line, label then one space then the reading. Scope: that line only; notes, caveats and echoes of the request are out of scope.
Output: 12:25
